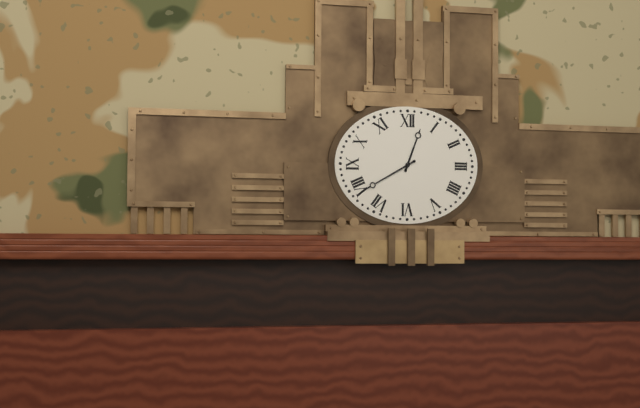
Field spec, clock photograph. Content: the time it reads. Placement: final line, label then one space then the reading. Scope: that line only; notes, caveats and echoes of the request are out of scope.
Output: 12:40
